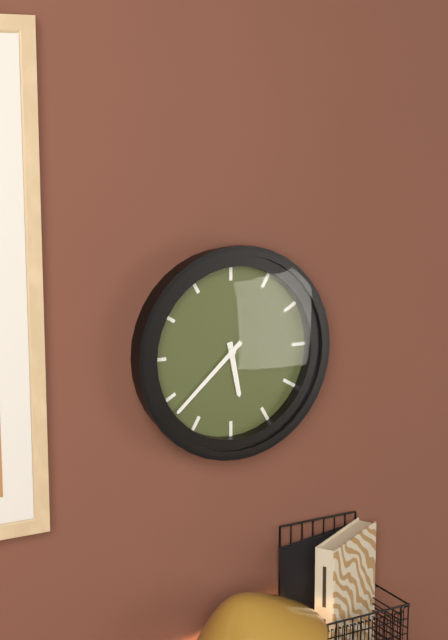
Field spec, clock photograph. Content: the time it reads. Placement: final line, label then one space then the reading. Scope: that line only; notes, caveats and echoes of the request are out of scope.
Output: 5:38
